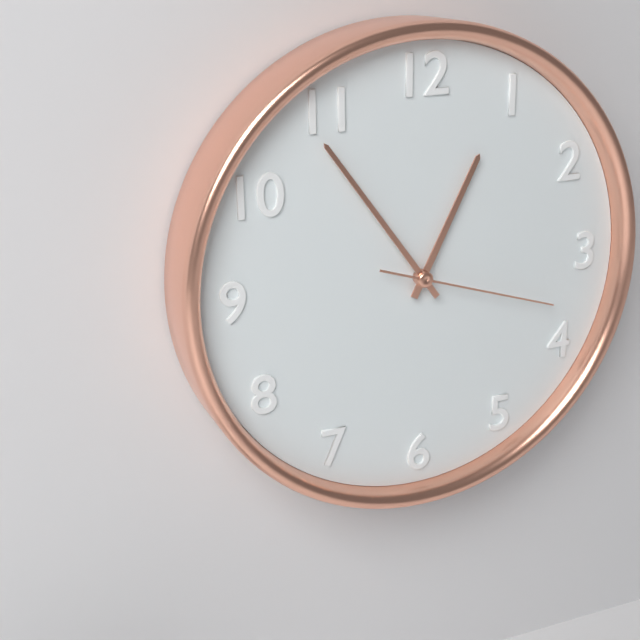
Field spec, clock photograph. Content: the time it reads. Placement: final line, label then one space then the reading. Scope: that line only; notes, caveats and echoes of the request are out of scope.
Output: 12:54:18
